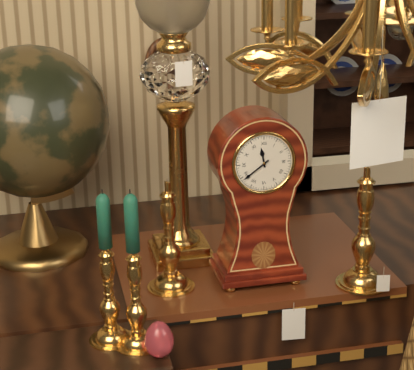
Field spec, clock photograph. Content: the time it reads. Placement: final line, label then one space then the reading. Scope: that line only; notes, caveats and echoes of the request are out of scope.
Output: 11:39
